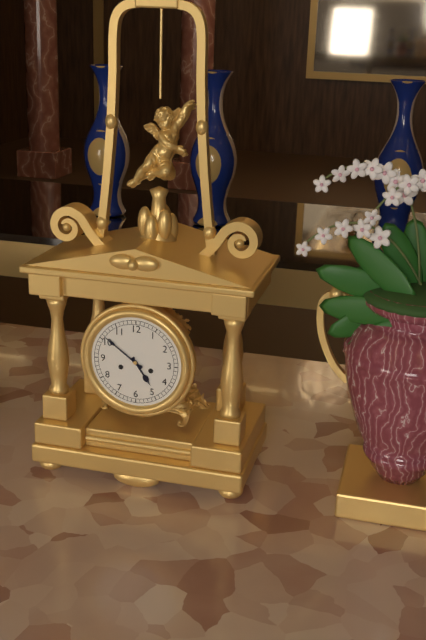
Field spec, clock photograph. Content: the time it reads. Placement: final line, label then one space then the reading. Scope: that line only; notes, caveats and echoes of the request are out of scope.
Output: 4:51
